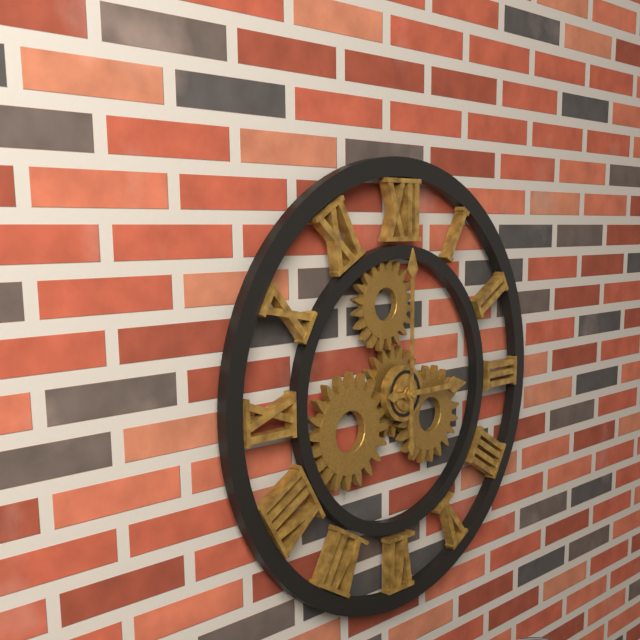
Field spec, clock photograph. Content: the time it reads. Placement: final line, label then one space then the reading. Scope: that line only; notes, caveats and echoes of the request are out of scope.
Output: 3:00
